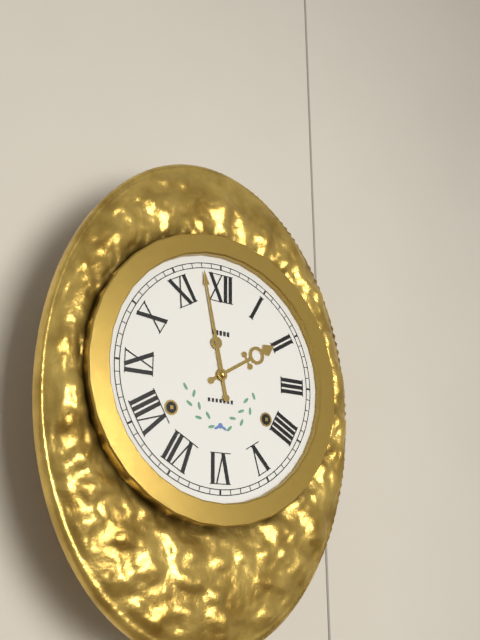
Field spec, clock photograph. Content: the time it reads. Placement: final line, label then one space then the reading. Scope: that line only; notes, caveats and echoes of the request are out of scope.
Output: 1:58
